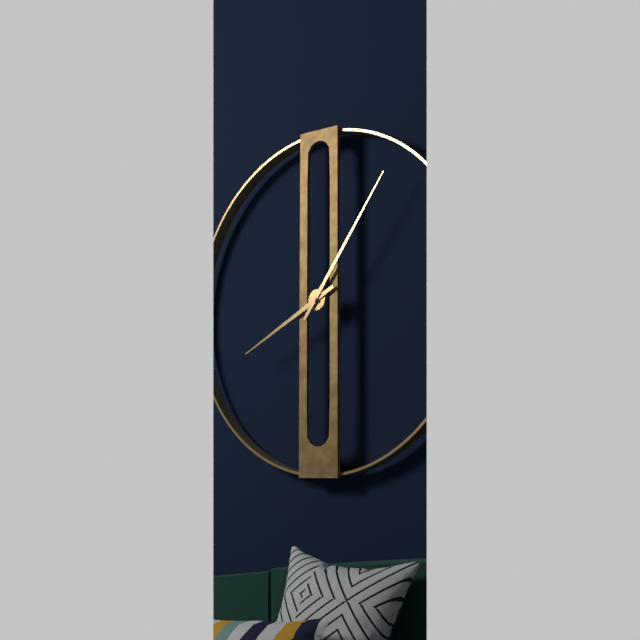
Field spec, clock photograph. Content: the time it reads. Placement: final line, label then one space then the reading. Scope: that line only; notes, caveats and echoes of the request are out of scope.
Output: 8:06
